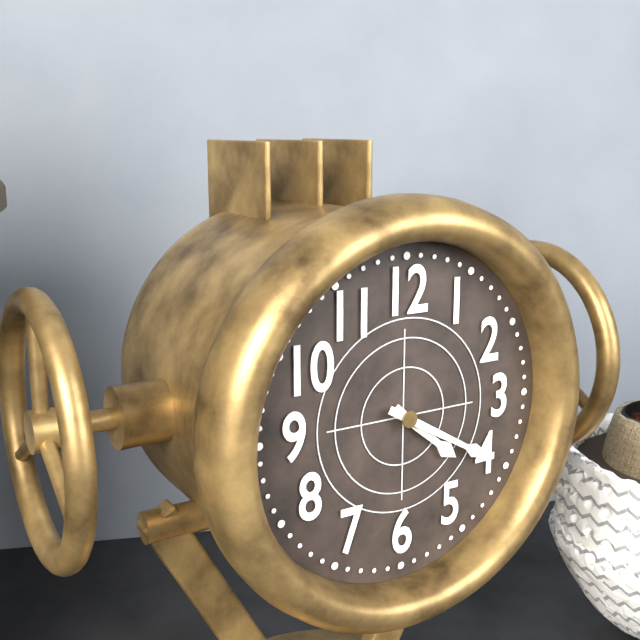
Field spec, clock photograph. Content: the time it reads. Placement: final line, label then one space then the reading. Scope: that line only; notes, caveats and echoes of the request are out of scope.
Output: 4:20
